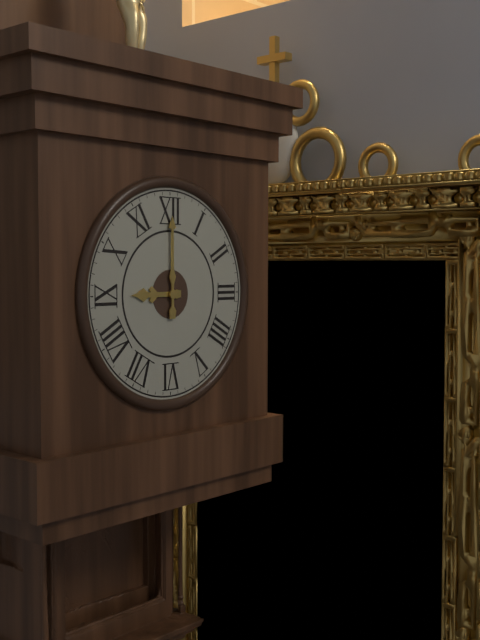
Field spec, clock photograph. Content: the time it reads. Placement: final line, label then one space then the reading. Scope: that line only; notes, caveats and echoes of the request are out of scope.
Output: 9:00
